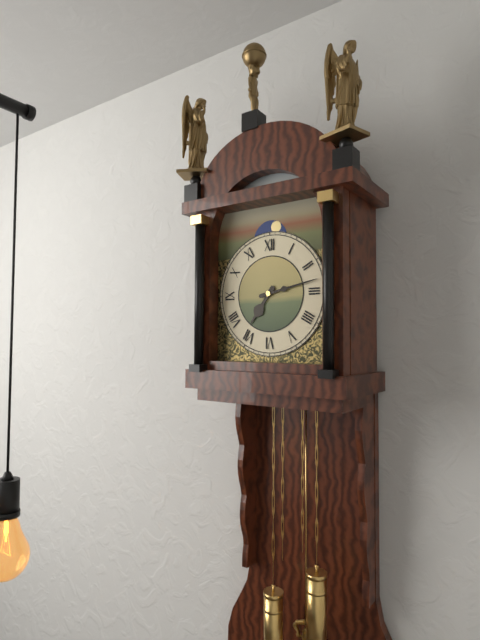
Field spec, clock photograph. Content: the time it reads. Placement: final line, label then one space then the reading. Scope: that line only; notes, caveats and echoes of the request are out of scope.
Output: 7:13
